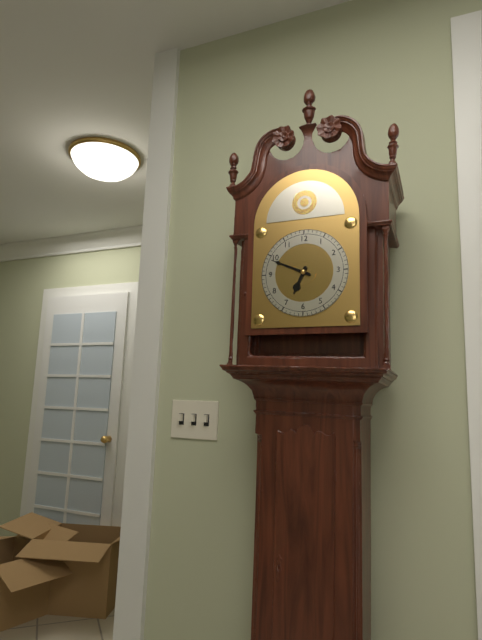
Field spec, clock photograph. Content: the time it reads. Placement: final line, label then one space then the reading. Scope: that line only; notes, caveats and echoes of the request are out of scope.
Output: 6:49
